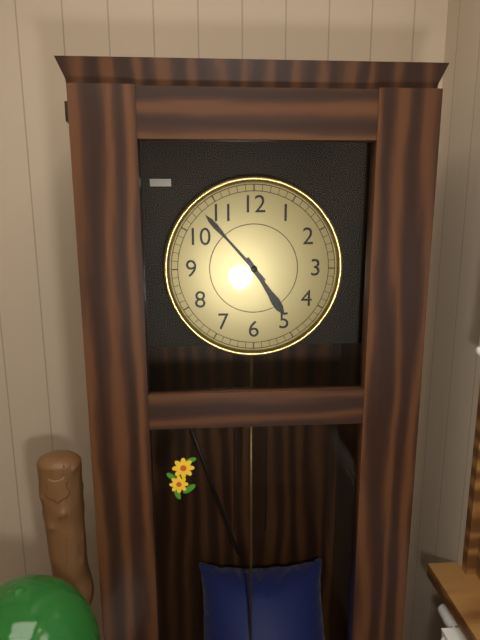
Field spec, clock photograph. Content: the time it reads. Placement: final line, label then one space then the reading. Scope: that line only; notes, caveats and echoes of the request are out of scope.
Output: 4:53
